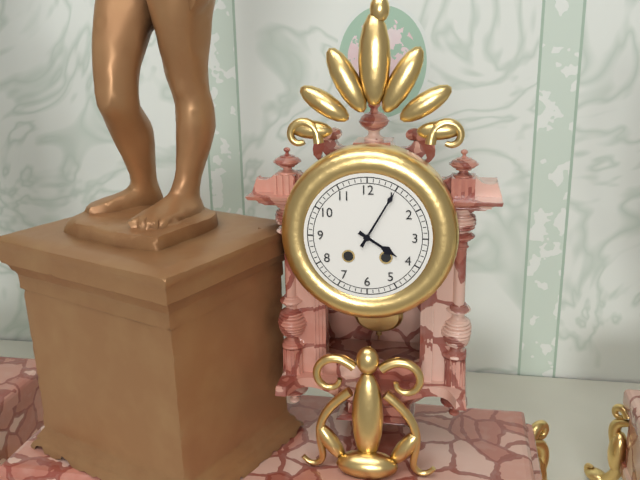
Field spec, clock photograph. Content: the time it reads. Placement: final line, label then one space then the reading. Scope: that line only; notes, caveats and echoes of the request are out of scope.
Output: 4:05
